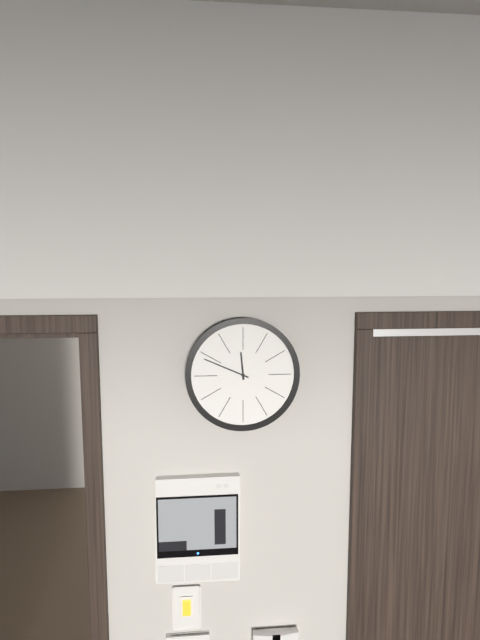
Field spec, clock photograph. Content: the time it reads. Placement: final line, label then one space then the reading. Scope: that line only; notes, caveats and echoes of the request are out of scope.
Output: 11:49
